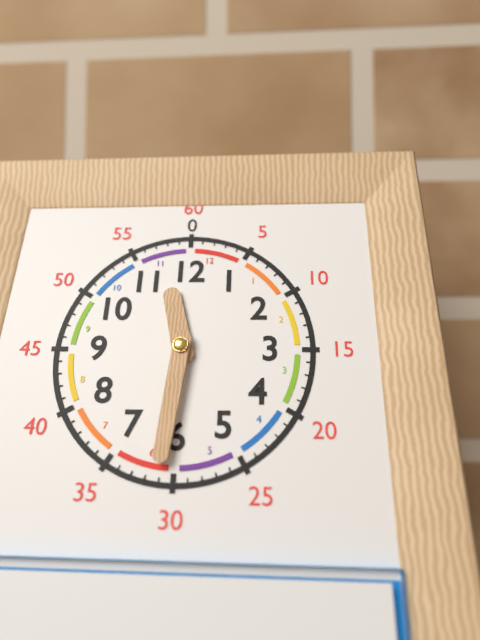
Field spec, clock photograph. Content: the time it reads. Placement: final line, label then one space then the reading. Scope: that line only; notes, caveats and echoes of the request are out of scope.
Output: 11:31
